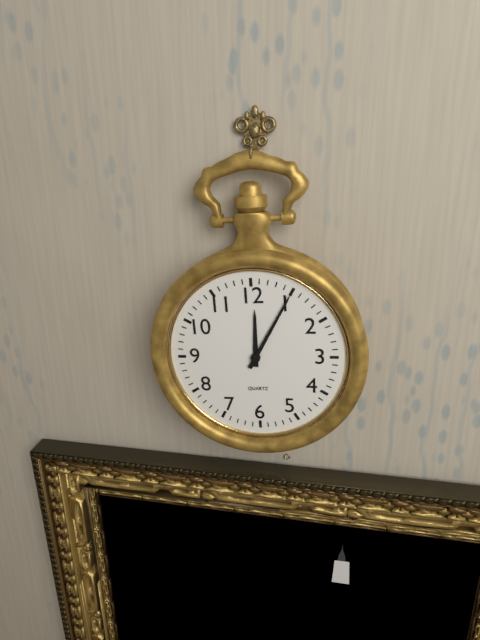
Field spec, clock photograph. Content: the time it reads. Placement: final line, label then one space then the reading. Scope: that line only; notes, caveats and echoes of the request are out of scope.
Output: 12:05
